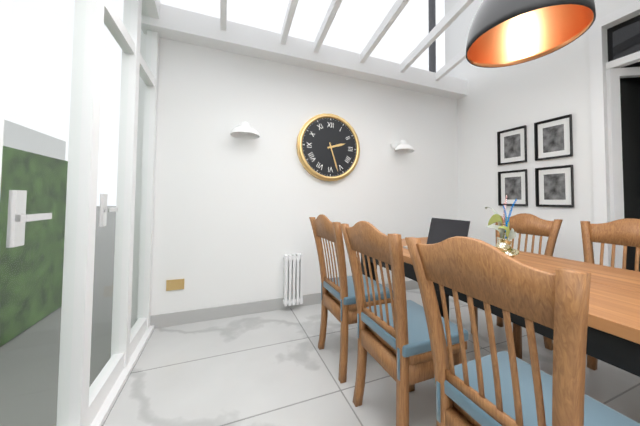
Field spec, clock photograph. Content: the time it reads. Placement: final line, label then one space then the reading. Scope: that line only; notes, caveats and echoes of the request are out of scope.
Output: 2:27
